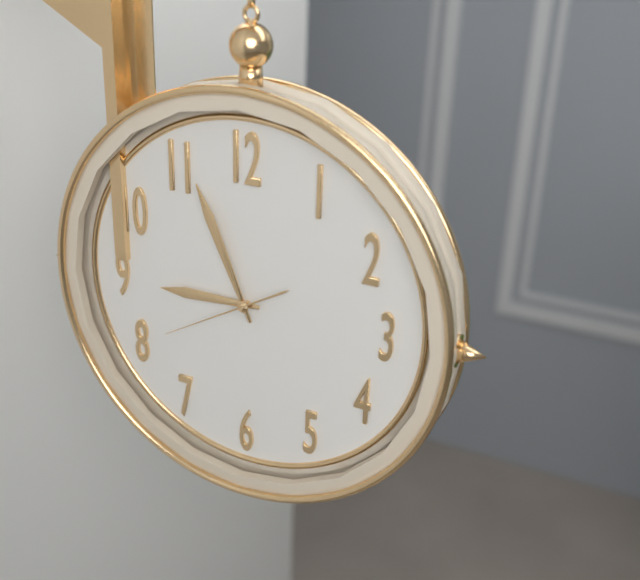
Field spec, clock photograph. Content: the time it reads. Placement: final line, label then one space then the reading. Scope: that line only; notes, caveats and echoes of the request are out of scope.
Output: 8:56:40
